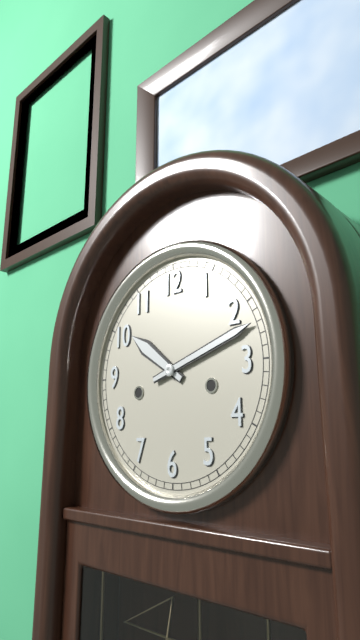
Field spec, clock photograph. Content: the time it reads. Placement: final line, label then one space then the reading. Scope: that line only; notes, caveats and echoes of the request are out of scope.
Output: 10:12
